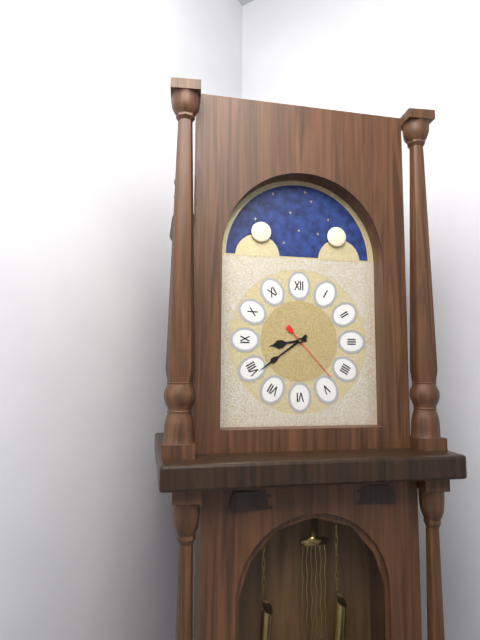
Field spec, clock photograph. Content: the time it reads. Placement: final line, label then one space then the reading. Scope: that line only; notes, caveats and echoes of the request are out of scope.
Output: 8:39:23
